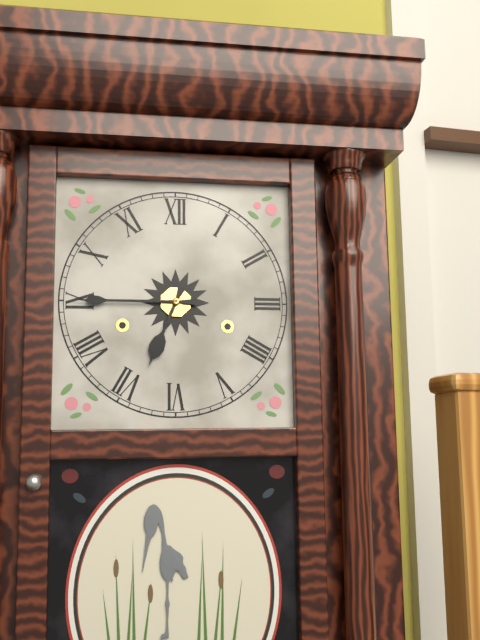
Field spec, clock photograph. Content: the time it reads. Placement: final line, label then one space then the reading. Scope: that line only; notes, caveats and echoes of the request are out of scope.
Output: 6:45
